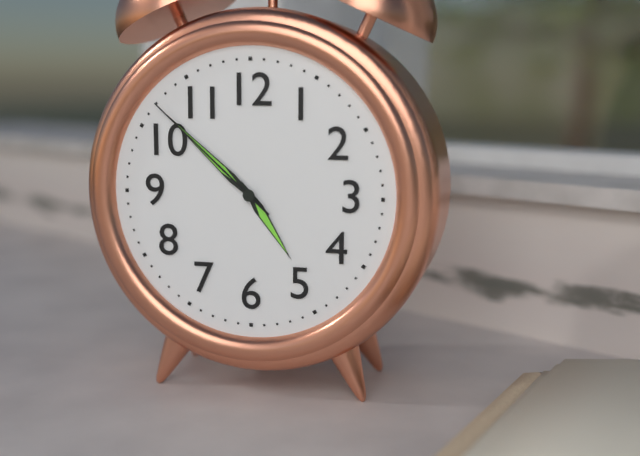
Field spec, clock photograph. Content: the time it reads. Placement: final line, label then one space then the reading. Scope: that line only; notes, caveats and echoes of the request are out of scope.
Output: 4:52:52
